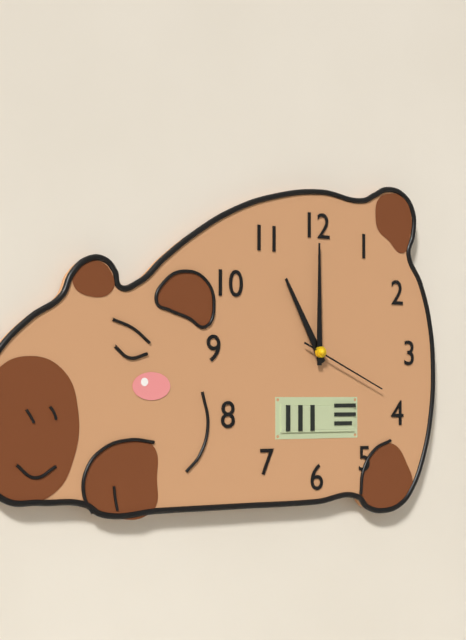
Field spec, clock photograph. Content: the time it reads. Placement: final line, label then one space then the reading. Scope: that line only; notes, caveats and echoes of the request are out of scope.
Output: 11:00:19
